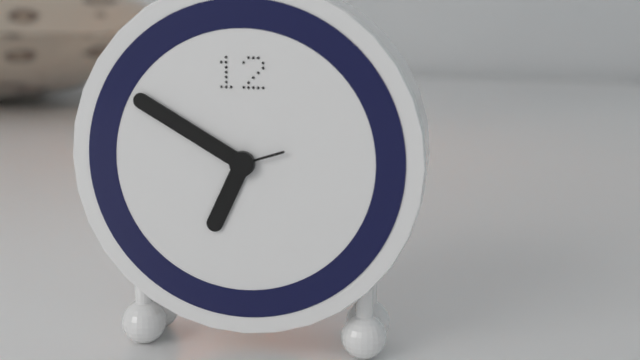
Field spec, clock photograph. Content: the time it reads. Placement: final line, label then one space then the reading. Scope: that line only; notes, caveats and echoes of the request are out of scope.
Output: 6:50
